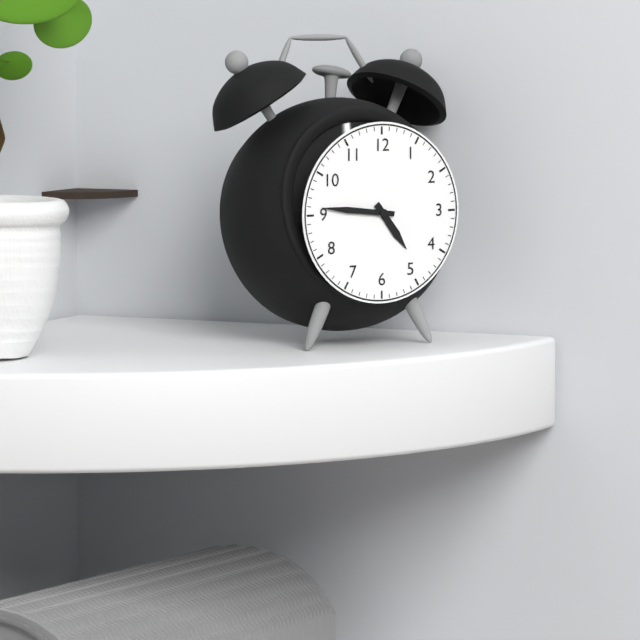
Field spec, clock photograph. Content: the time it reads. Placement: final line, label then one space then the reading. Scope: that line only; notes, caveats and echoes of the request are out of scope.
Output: 4:46
